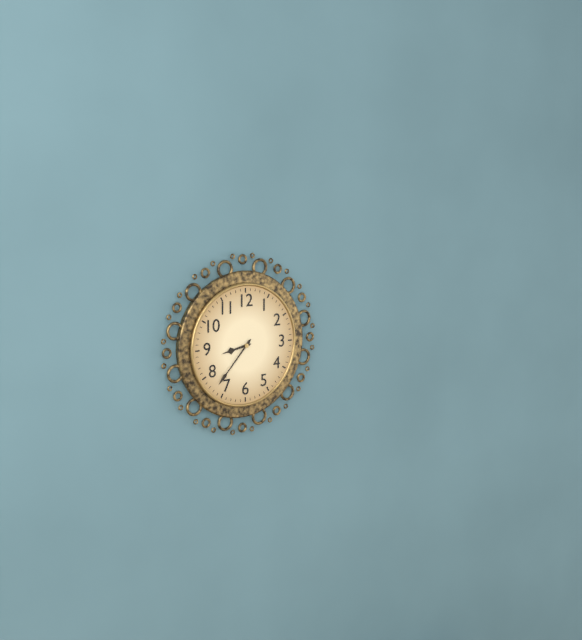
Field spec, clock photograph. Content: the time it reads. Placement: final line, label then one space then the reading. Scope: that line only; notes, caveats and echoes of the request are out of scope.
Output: 8:37
